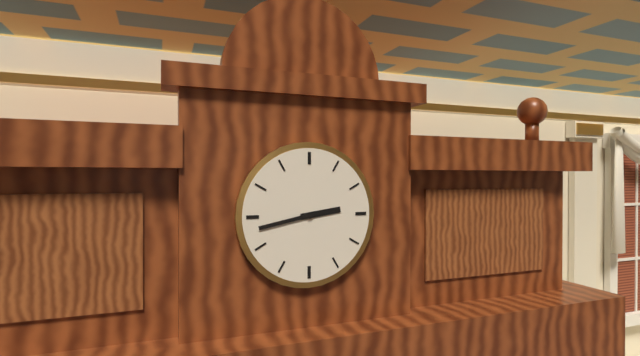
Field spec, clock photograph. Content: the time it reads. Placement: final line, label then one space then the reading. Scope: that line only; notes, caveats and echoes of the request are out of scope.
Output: 2:43
